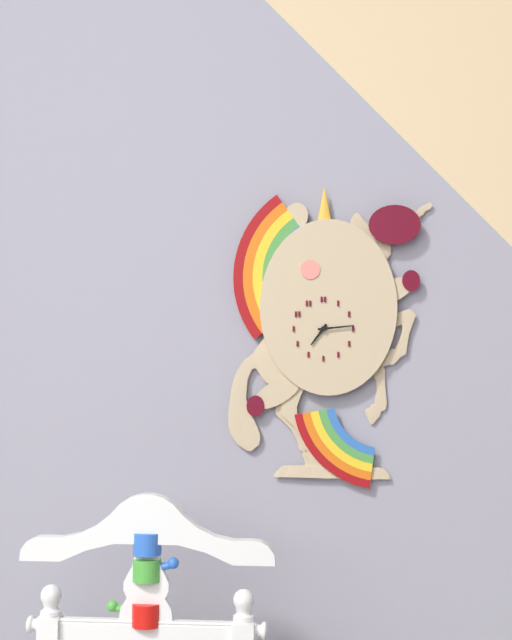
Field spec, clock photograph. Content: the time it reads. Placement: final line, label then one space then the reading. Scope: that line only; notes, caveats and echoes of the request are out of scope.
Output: 7:14
